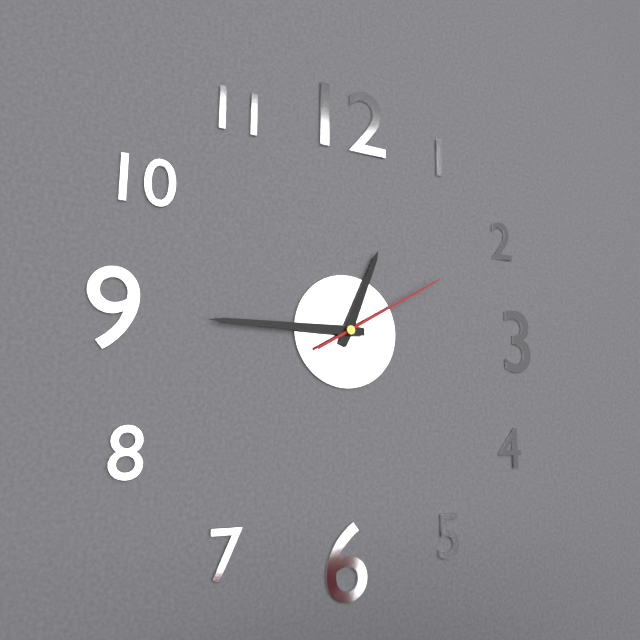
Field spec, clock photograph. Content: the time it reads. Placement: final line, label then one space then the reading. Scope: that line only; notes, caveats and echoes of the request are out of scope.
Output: 12:45:10
